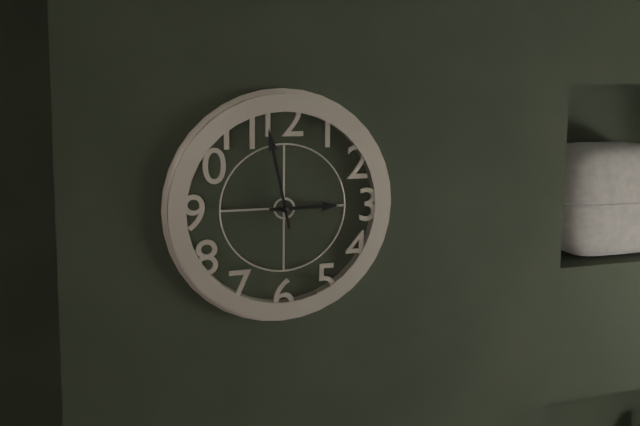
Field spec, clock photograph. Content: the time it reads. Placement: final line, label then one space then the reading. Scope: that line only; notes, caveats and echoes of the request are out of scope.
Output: 2:58
